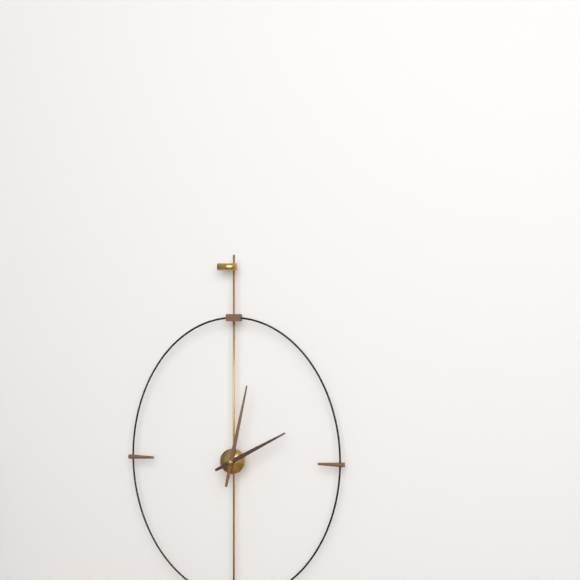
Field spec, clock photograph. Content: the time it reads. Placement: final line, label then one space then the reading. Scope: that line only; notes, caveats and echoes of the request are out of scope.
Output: 2:02
